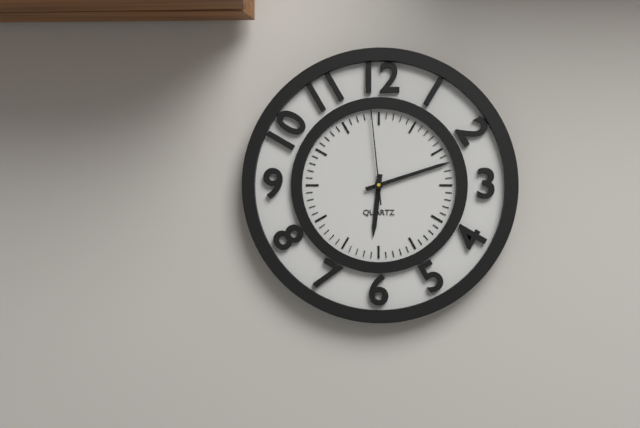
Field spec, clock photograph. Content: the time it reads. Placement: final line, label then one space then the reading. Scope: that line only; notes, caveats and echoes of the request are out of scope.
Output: 6:12:59
